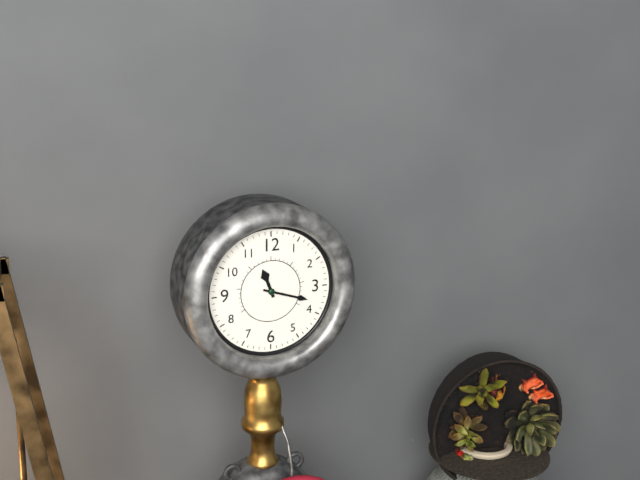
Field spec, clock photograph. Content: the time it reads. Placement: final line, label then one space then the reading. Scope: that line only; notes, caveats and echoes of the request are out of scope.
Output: 11:18
